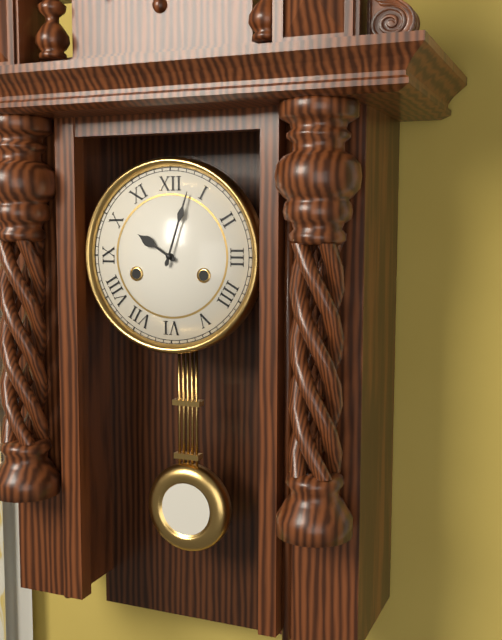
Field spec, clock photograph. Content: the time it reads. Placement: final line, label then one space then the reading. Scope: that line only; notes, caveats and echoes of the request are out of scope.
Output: 10:03
